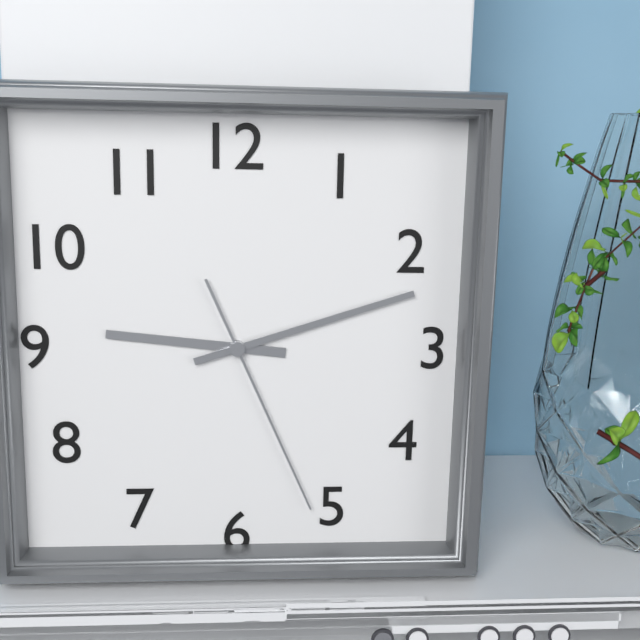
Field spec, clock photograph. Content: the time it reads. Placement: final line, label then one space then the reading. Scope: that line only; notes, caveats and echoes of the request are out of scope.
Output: 9:12:26
